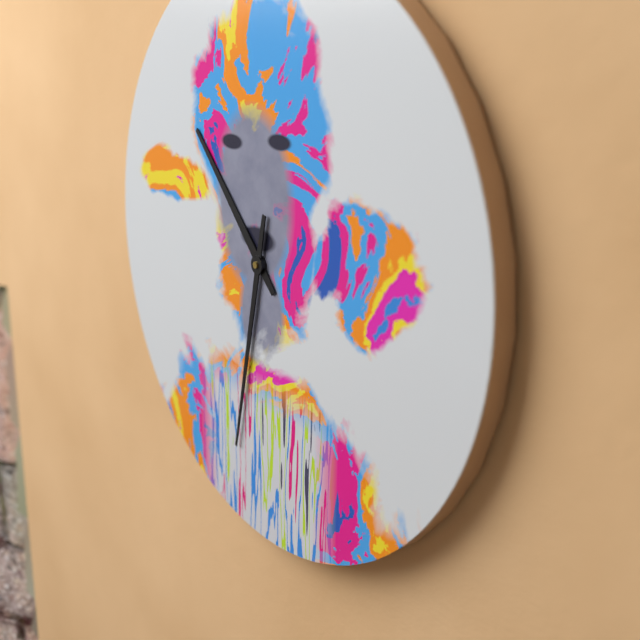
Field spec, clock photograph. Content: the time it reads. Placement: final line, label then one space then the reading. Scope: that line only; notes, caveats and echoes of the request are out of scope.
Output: 10:32
